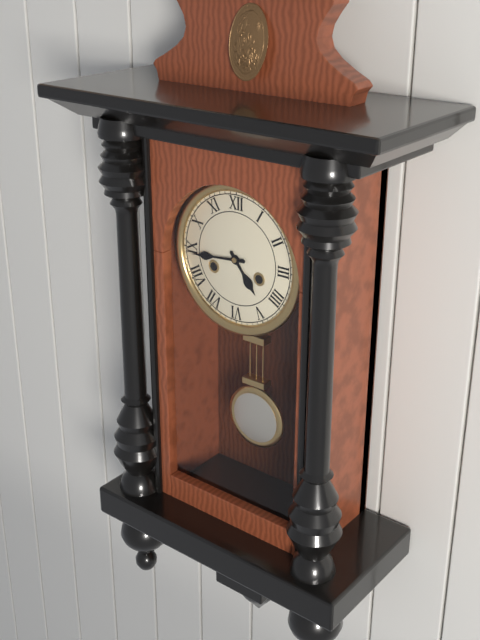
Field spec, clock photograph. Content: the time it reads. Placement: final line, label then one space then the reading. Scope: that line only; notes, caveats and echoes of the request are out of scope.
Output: 4:44
